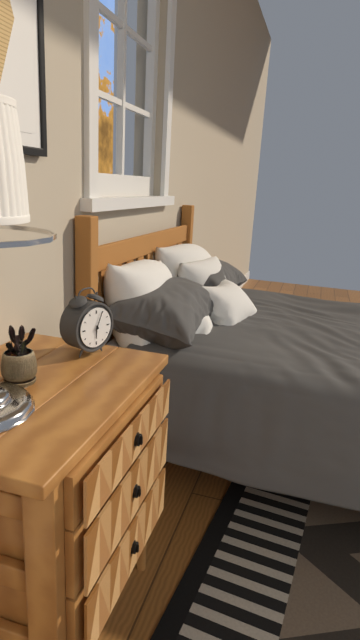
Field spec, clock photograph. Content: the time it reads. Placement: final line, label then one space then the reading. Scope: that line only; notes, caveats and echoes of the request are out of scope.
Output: 6:04
